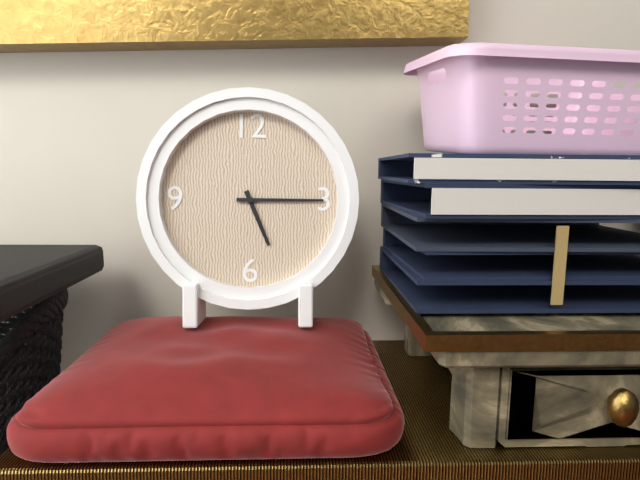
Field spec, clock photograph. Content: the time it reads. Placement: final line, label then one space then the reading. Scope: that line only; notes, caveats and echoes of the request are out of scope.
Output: 5:15
